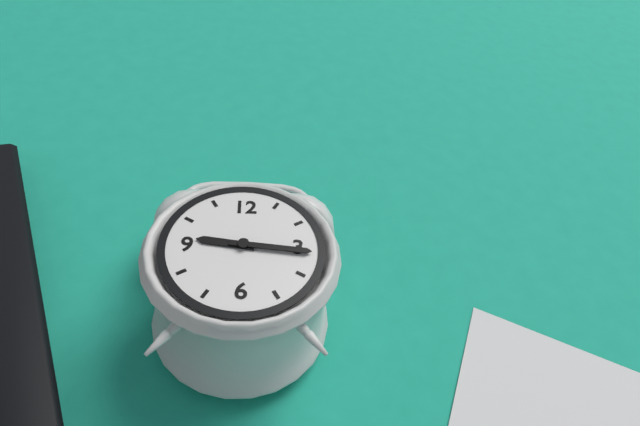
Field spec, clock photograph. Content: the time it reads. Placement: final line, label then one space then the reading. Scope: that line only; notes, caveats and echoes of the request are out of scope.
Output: 9:16
